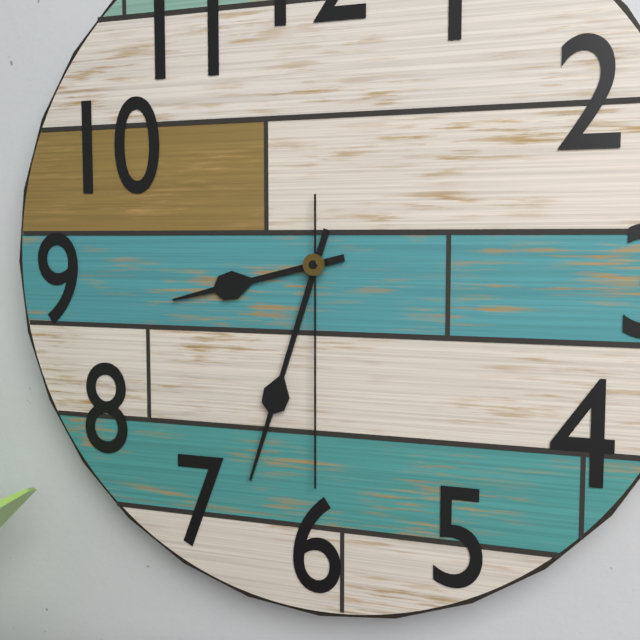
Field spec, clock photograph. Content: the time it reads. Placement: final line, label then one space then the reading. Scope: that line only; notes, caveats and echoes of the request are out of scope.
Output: 8:33:30
